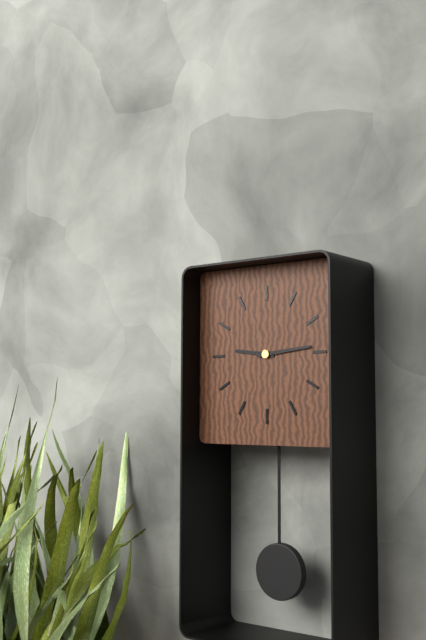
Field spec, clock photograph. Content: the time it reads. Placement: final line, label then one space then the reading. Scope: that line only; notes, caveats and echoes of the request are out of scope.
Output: 9:14
